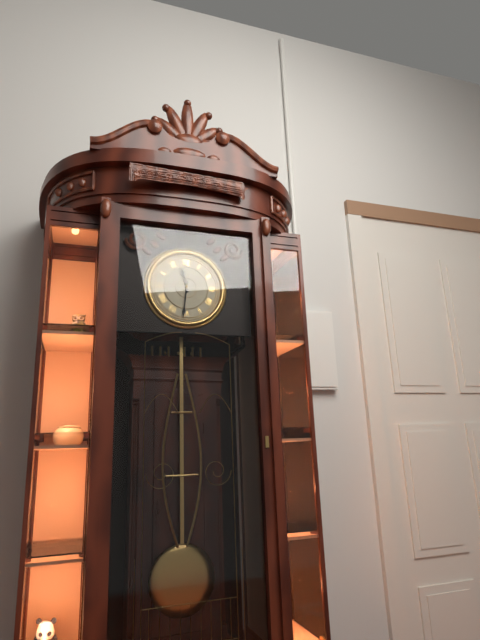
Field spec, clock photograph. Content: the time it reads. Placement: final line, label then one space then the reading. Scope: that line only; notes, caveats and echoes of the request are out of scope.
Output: 11:31
